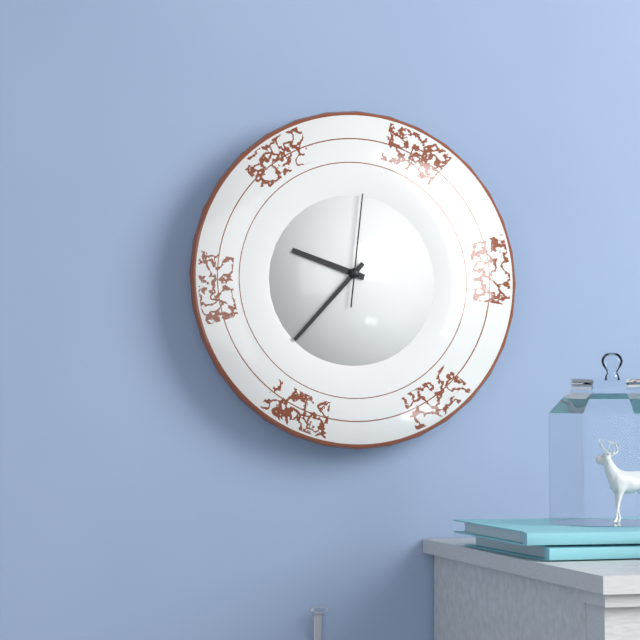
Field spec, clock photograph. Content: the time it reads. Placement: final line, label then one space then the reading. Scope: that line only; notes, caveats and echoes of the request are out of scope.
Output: 9:37:01
